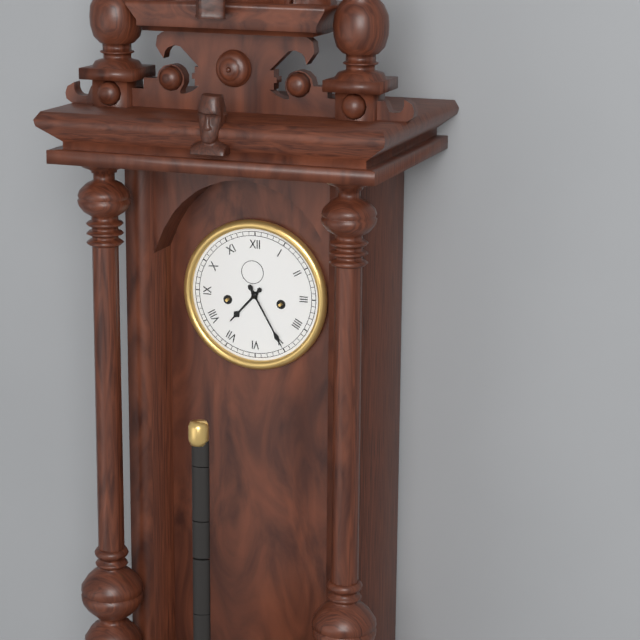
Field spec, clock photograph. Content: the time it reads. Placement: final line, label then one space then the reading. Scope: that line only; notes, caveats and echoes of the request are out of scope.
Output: 7:25
